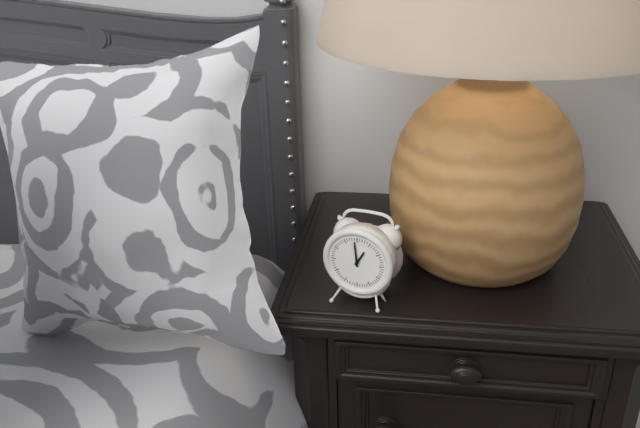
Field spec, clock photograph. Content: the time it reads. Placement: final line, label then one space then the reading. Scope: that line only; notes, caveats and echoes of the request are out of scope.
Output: 12:59
